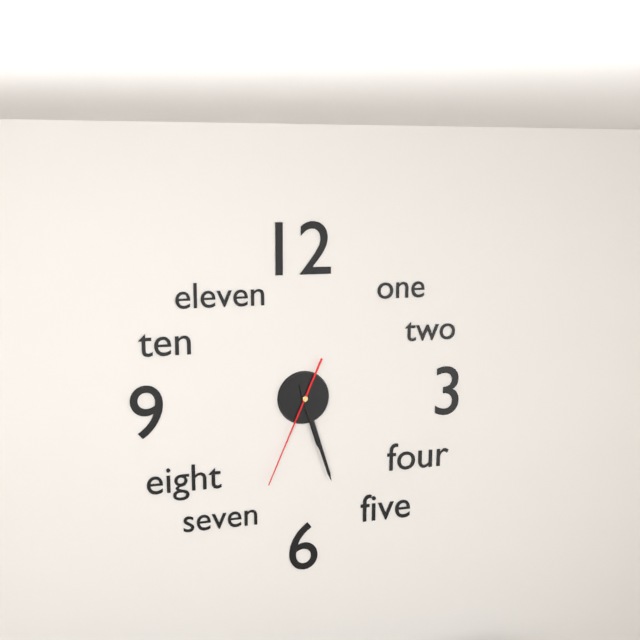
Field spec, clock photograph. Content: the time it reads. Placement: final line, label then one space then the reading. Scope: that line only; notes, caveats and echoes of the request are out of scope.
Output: 5:27:34
